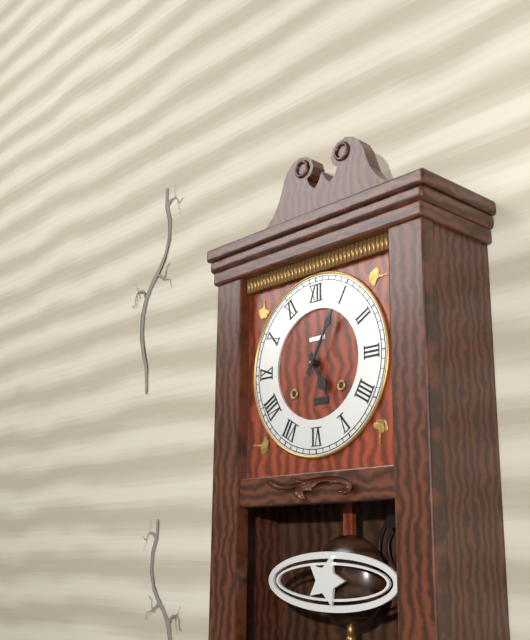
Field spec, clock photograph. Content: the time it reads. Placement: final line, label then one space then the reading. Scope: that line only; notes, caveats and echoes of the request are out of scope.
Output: 5:05
